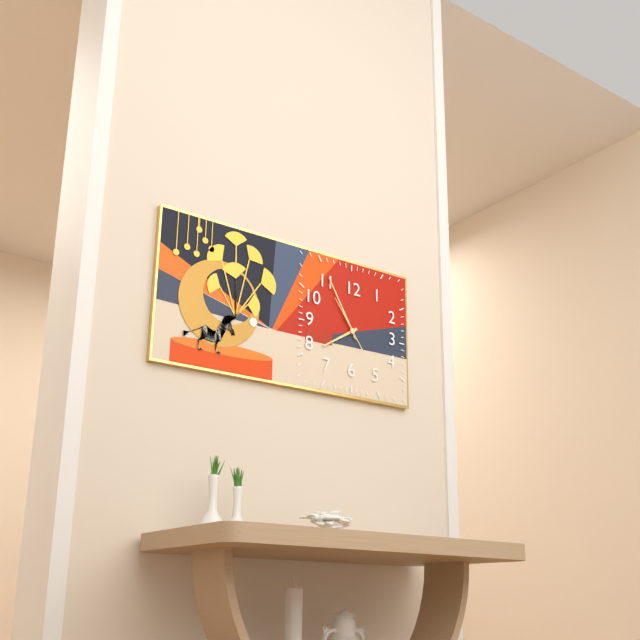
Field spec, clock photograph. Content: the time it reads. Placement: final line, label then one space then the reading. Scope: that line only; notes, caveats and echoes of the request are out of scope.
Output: 7:55
